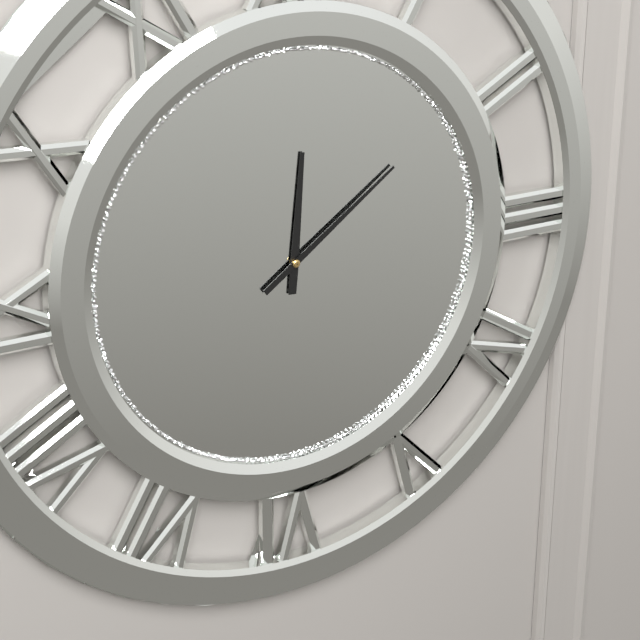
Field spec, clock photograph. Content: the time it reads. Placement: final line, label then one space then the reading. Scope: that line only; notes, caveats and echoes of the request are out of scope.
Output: 12:09
